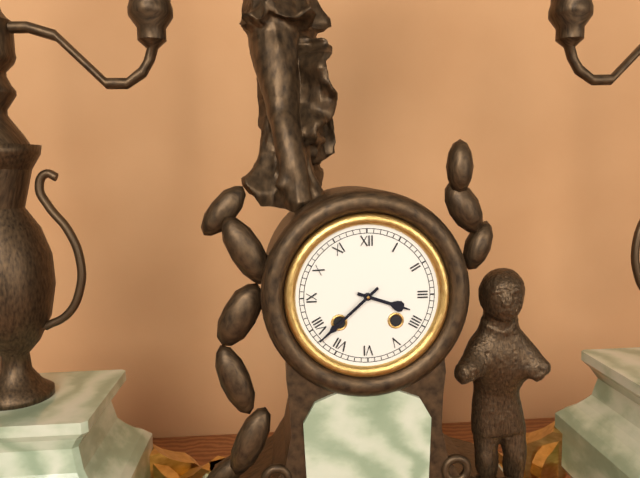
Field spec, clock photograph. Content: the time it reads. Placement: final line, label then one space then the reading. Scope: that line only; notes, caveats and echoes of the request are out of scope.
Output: 3:38
